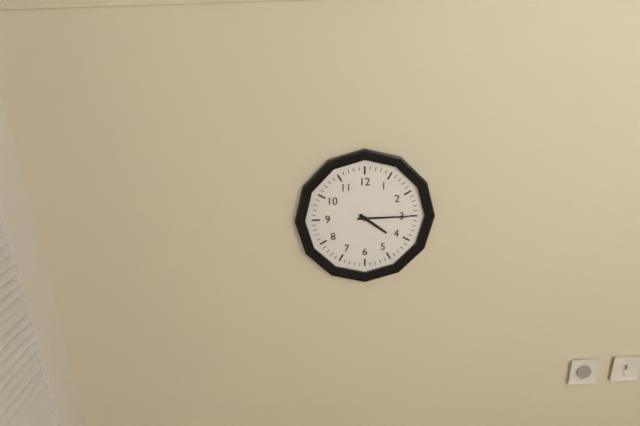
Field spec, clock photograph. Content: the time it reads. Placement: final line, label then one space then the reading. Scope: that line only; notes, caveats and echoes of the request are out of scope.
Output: 4:15
